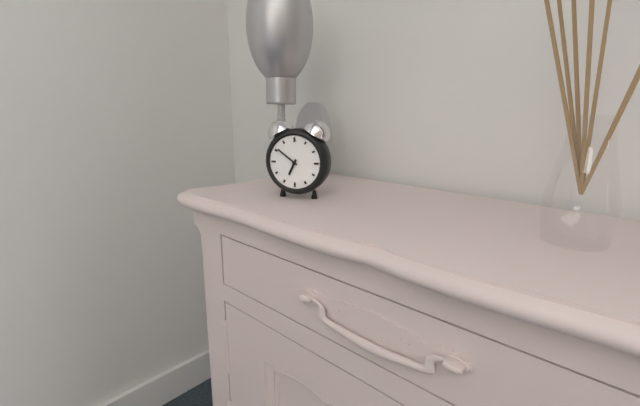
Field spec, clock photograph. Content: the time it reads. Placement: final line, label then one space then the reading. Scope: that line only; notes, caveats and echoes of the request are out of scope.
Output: 6:51
